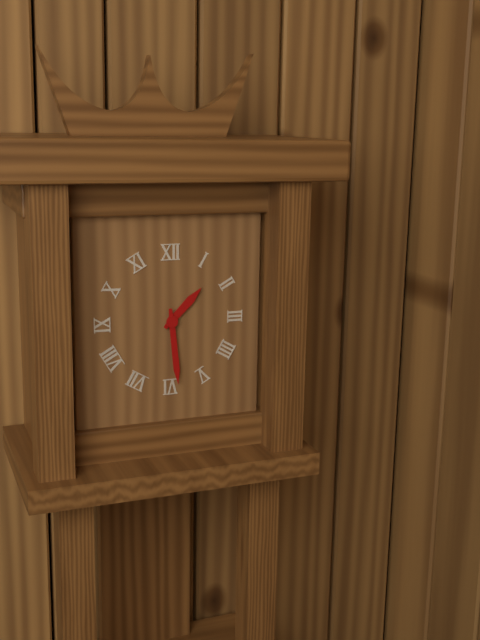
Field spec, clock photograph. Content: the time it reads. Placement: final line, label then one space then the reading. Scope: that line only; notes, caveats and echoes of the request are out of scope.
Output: 1:29
